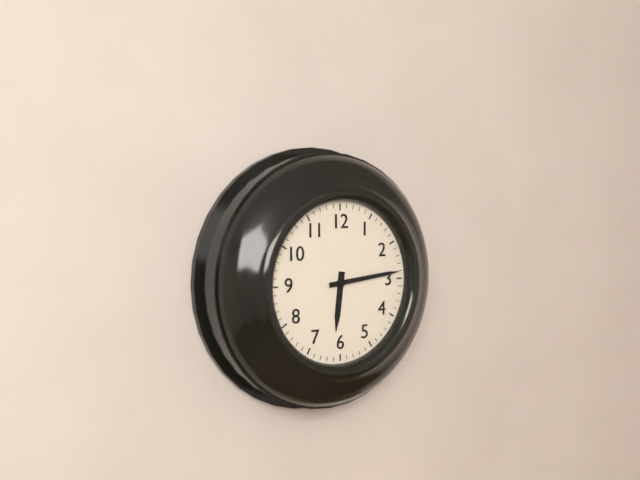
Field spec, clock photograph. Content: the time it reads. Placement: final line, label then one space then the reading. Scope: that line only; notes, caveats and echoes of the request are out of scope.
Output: 6:14
